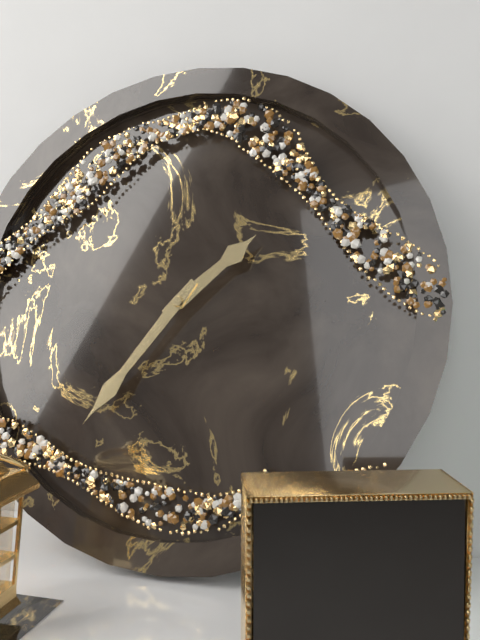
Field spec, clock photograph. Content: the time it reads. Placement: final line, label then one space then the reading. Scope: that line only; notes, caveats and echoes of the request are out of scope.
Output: 1:36
